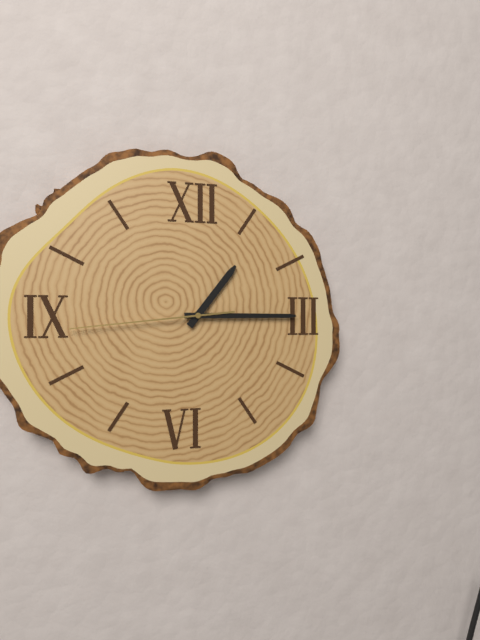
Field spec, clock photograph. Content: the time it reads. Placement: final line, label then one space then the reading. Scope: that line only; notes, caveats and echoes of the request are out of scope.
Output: 1:15:44
